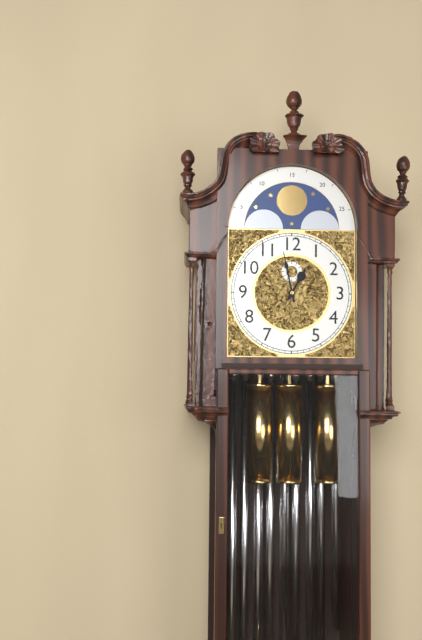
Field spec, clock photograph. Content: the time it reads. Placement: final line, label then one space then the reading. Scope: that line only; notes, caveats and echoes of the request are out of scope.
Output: 12:58
